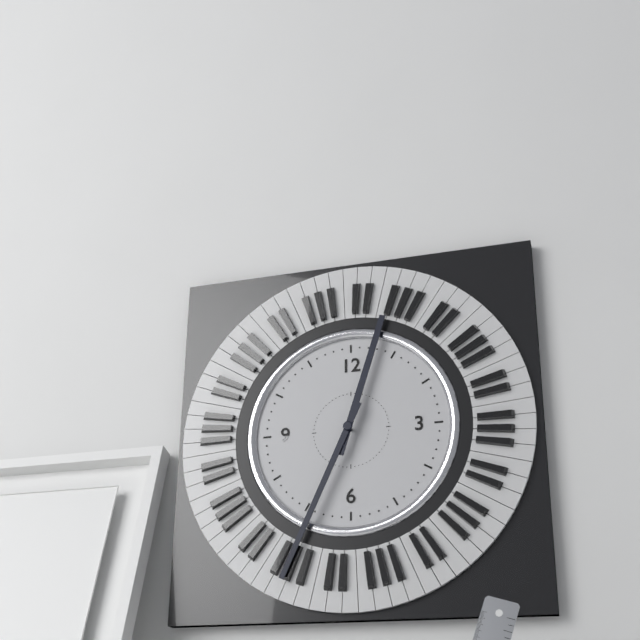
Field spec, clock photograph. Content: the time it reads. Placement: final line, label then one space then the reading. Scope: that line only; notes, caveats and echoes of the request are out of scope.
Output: 12:34
